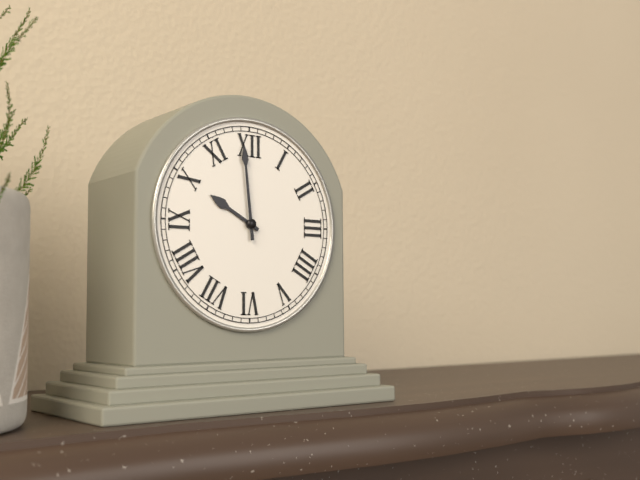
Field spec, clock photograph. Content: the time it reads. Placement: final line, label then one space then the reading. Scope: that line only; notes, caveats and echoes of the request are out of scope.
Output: 9:59
